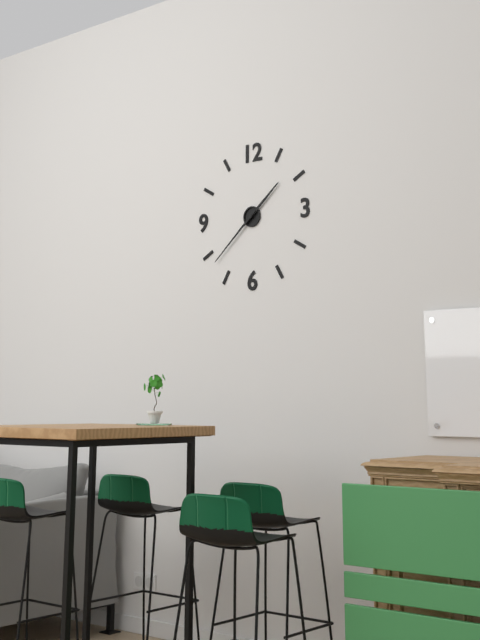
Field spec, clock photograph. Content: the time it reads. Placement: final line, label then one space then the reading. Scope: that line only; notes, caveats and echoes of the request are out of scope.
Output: 1:38
